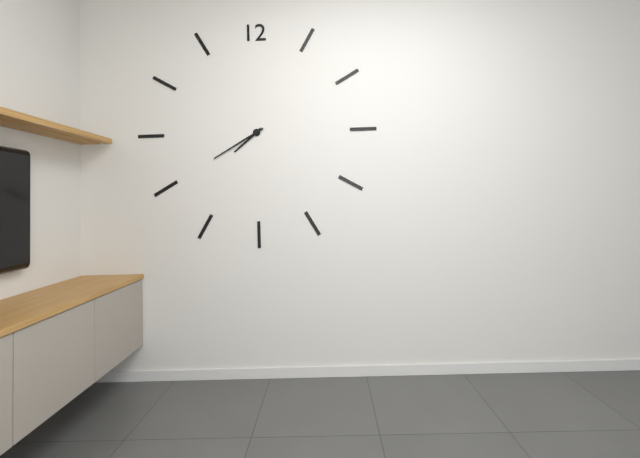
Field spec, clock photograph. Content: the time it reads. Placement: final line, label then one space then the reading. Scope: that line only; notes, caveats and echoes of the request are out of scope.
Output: 7:40
